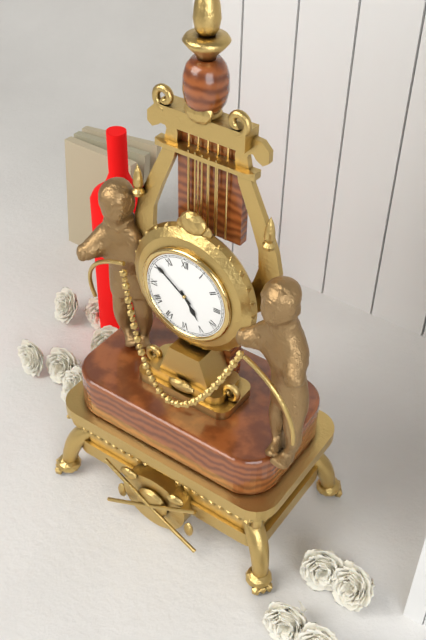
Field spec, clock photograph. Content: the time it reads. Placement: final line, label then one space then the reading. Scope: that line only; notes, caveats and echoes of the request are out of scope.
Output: 4:51
